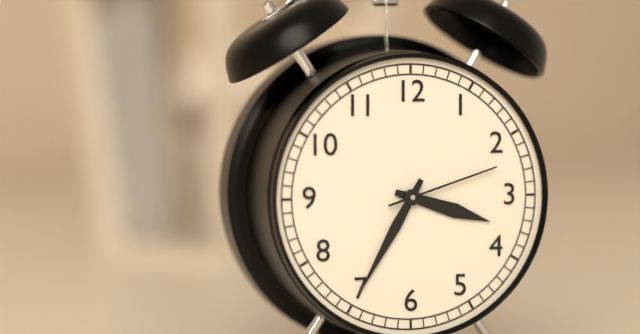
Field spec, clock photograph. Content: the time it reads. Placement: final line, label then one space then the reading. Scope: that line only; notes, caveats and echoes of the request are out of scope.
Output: 3:35:12
